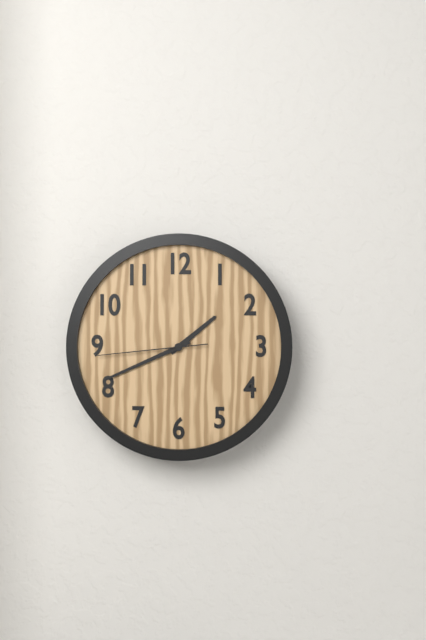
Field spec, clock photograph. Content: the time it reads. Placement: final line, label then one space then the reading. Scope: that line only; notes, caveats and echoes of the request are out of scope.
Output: 1:41:44
